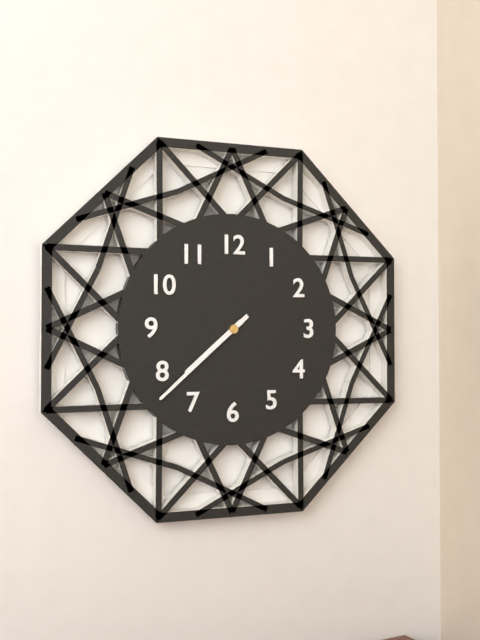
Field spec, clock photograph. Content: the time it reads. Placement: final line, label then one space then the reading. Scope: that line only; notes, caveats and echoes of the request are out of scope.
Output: 7:38
